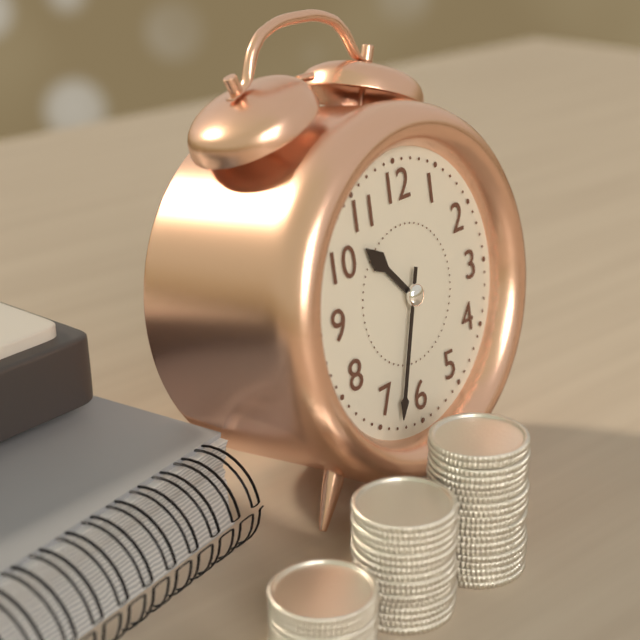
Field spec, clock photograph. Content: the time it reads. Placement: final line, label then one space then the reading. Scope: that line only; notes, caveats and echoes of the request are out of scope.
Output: 10:33
